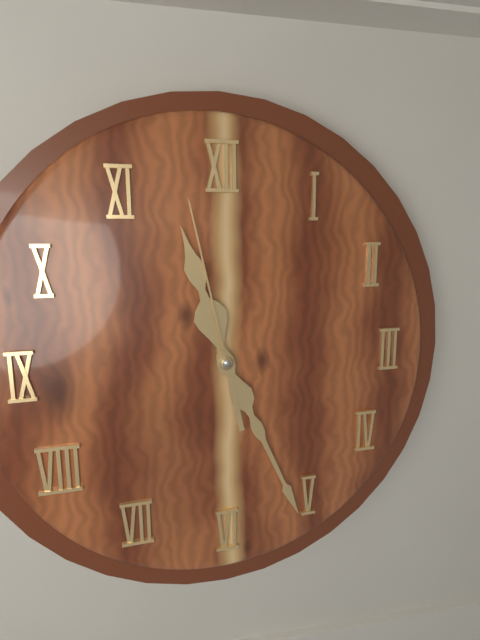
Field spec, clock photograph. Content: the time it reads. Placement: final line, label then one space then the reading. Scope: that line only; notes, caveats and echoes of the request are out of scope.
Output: 11:26:58
